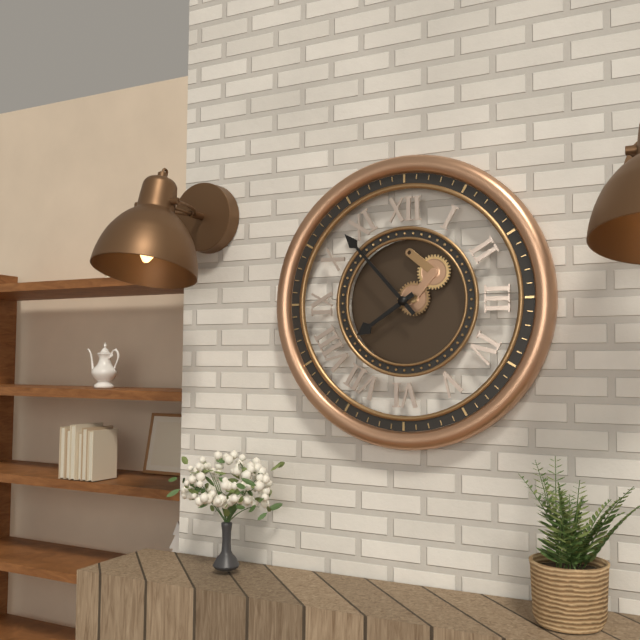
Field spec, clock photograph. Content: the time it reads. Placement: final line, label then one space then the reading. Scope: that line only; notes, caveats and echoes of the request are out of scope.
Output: 7:53
